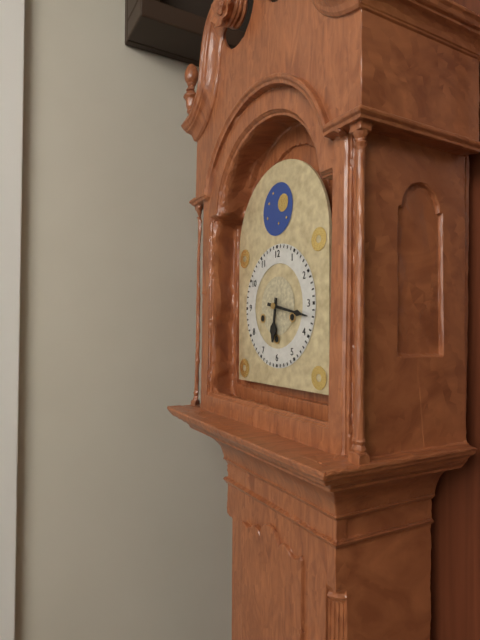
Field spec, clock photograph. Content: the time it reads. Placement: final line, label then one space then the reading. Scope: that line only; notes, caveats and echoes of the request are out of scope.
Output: 6:17
